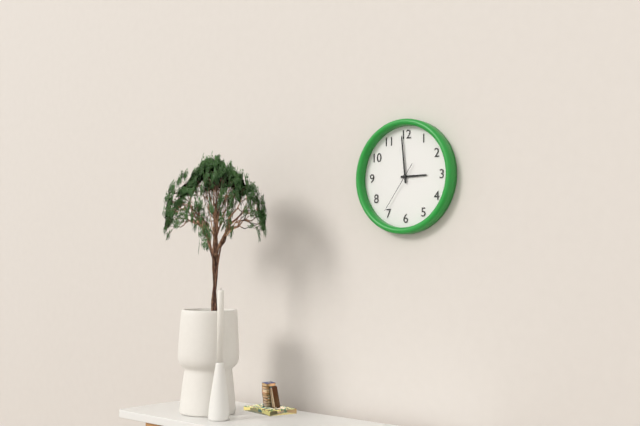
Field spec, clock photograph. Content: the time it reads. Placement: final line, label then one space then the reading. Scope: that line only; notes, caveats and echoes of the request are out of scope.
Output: 2:59:36
